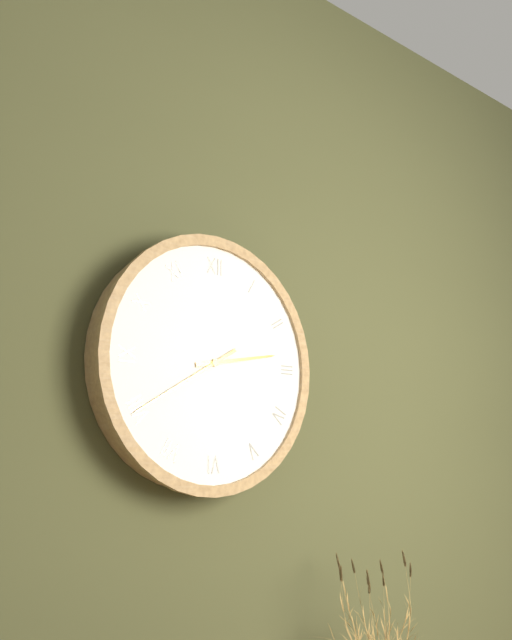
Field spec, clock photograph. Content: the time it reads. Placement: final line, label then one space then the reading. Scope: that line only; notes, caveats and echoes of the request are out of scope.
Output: 2:40
